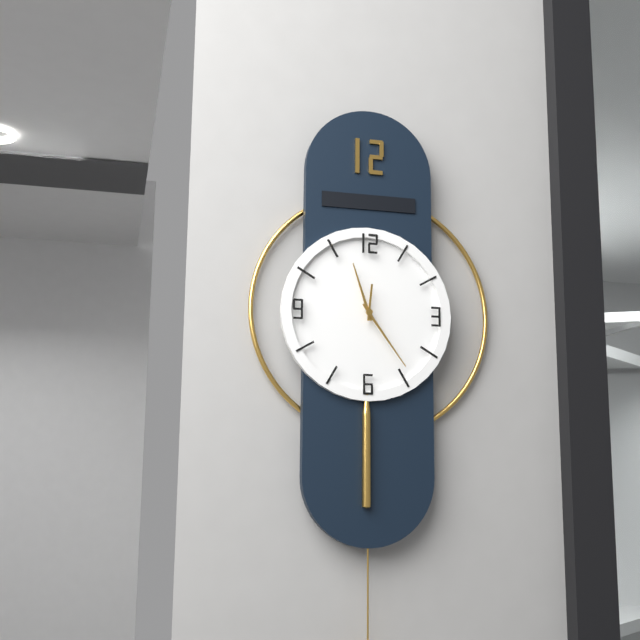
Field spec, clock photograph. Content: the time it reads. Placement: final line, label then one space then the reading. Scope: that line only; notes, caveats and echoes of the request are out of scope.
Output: 11:24
